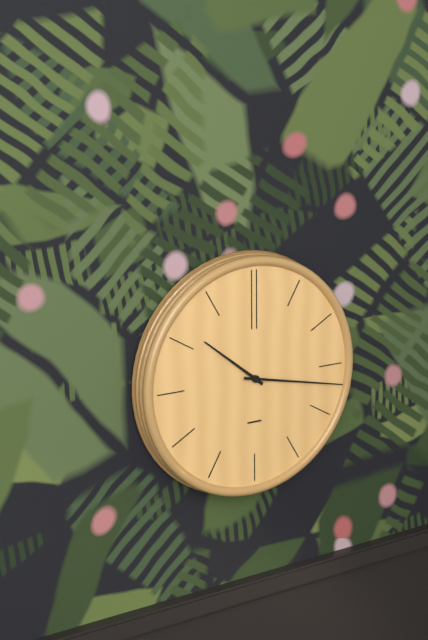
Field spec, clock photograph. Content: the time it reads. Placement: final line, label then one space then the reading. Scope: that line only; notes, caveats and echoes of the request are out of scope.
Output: 10:17
